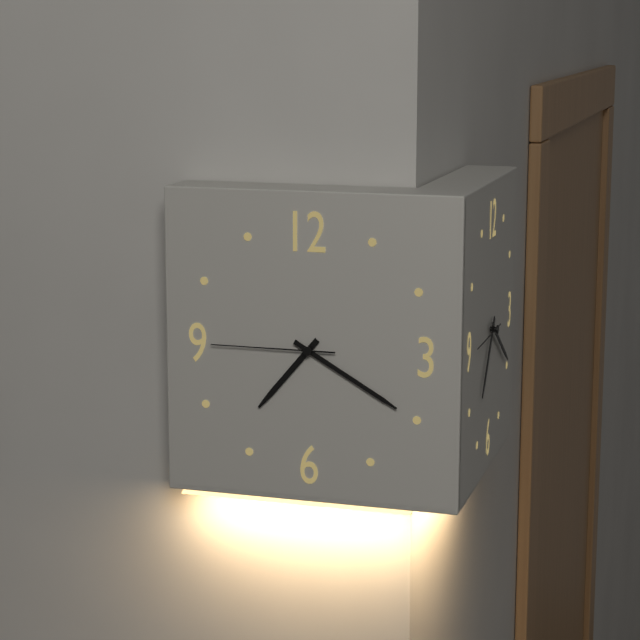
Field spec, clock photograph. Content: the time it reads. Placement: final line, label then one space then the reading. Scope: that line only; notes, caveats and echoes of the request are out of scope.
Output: 7:20:45
